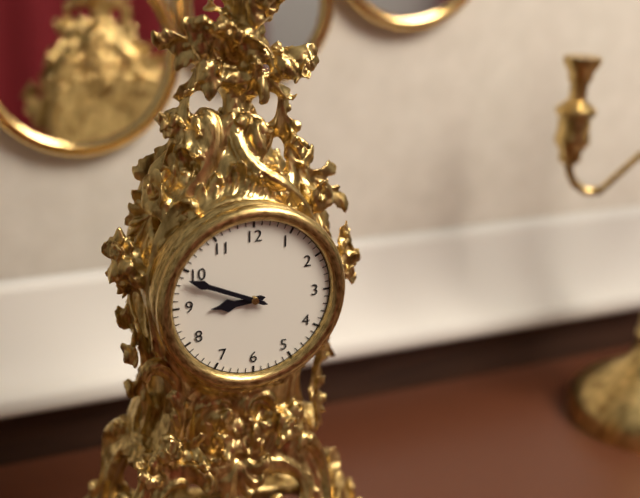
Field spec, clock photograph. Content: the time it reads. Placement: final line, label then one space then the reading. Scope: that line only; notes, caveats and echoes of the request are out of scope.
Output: 8:49
